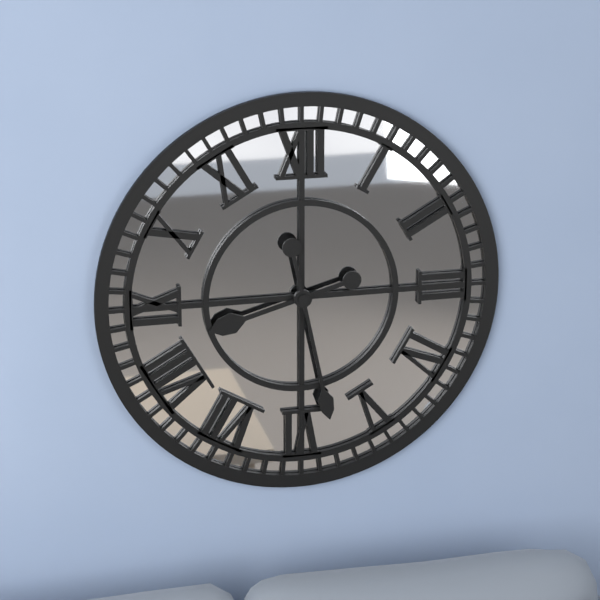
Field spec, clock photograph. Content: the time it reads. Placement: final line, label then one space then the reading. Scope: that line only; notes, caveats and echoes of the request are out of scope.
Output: 8:28
